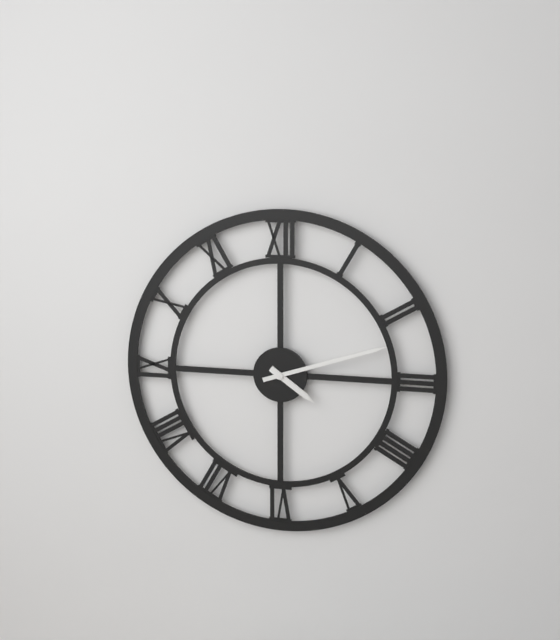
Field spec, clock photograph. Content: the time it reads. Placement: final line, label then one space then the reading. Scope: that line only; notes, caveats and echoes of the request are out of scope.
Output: 4:12
